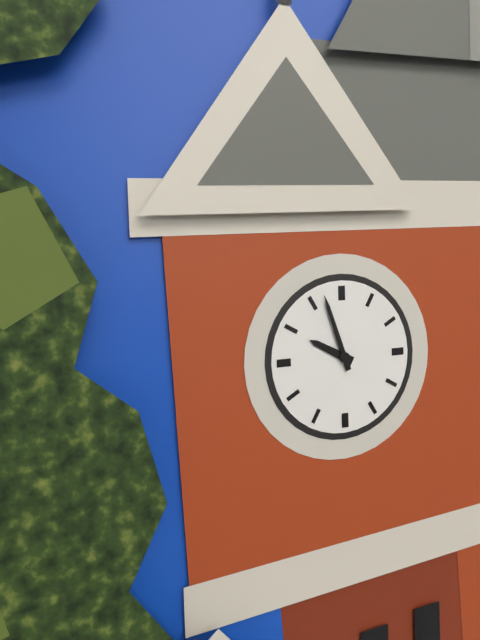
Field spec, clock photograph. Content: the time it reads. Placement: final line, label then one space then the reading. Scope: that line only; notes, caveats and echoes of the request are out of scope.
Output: 9:57
